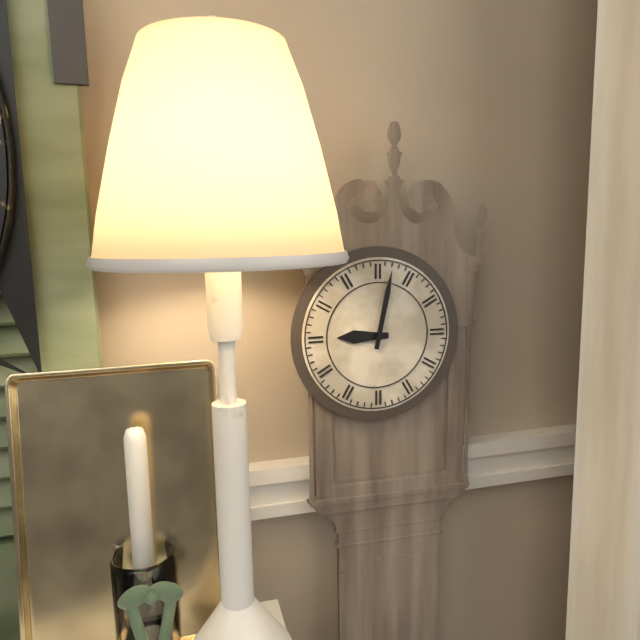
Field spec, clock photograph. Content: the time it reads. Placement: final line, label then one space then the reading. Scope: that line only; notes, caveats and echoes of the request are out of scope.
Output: 9:02
